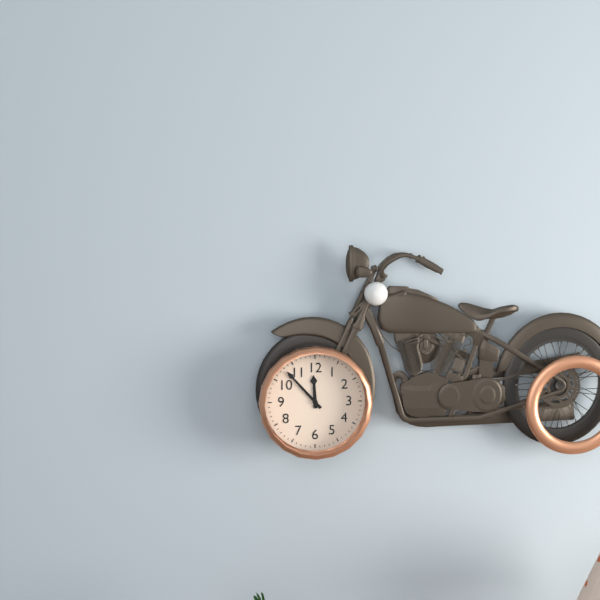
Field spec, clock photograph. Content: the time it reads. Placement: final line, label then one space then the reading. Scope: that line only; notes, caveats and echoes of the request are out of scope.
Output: 11:53
